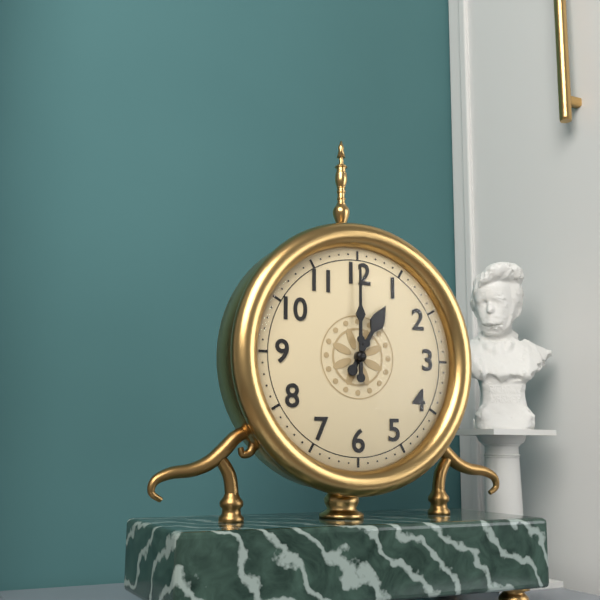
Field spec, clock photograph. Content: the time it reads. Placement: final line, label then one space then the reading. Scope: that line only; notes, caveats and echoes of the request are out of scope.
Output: 1:00
